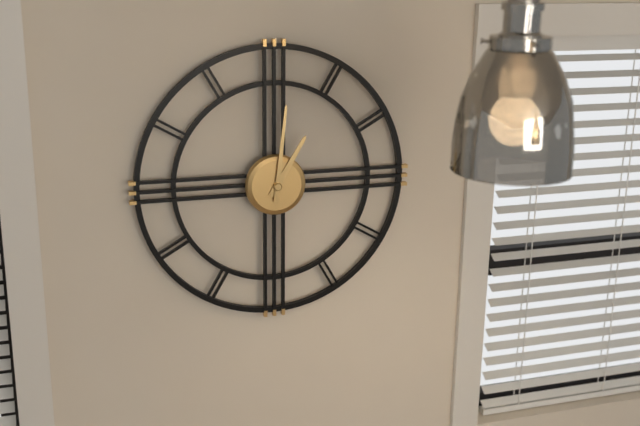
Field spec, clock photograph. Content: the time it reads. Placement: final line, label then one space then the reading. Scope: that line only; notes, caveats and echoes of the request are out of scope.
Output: 1:01
